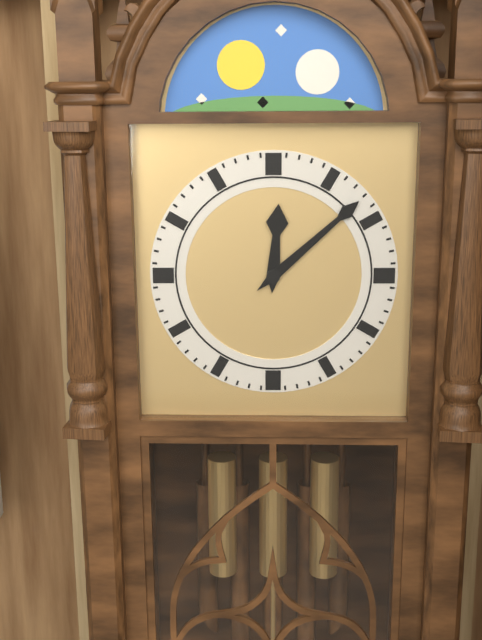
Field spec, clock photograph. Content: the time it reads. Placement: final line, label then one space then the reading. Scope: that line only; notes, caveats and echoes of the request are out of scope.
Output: 12:08
